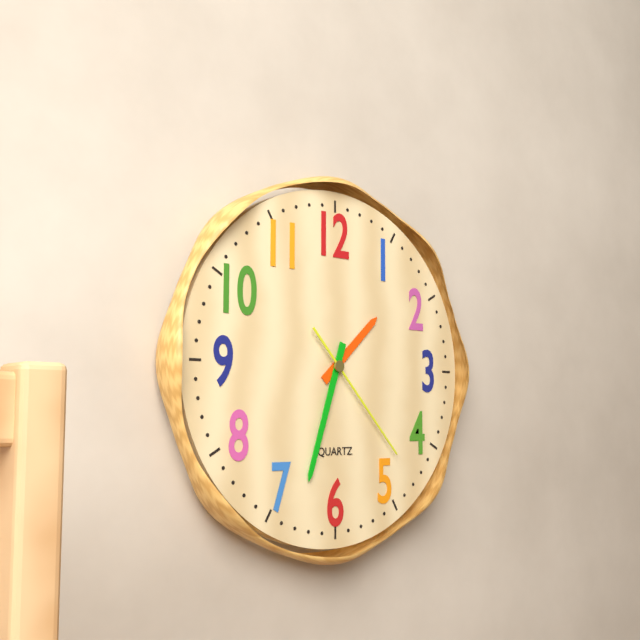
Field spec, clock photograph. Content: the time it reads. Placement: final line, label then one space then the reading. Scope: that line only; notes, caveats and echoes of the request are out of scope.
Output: 1:33:23
